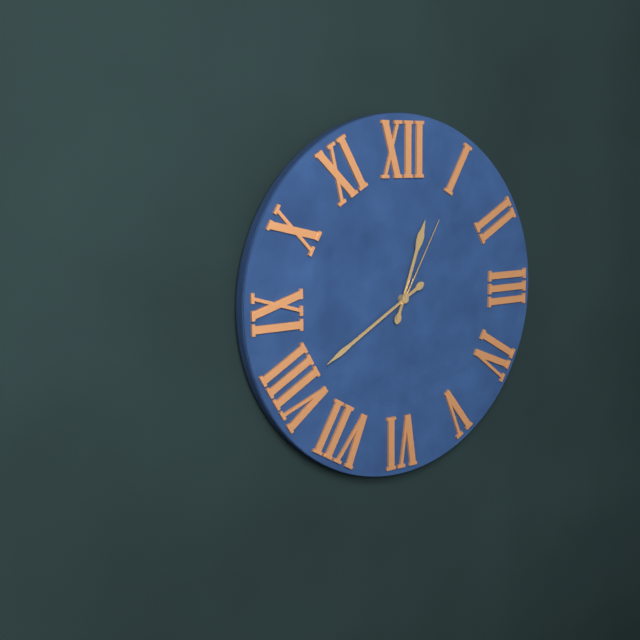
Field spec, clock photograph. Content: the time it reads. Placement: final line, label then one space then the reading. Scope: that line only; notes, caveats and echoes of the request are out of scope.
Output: 12:40:05
